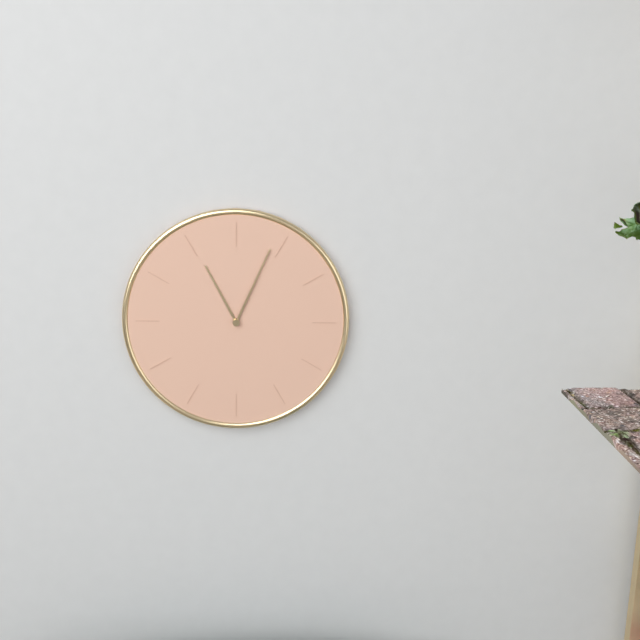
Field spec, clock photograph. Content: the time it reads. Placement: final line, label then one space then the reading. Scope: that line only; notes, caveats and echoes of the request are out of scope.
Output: 11:04
